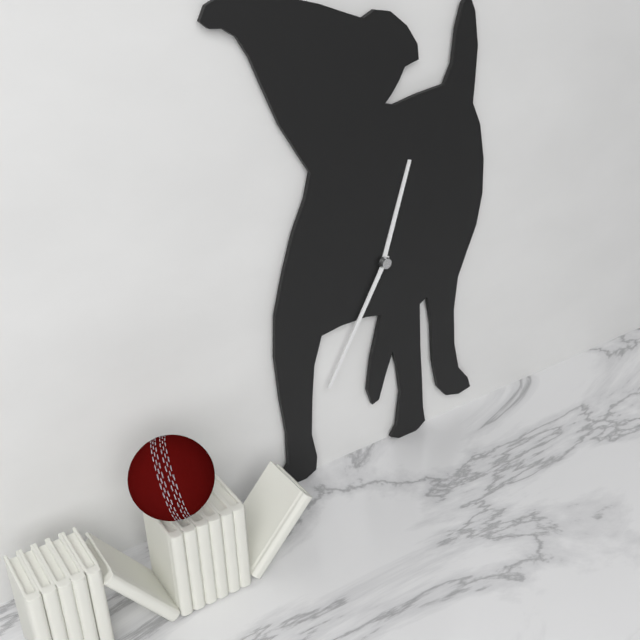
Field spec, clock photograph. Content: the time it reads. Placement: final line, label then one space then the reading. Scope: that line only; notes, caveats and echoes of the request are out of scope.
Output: 12:35
